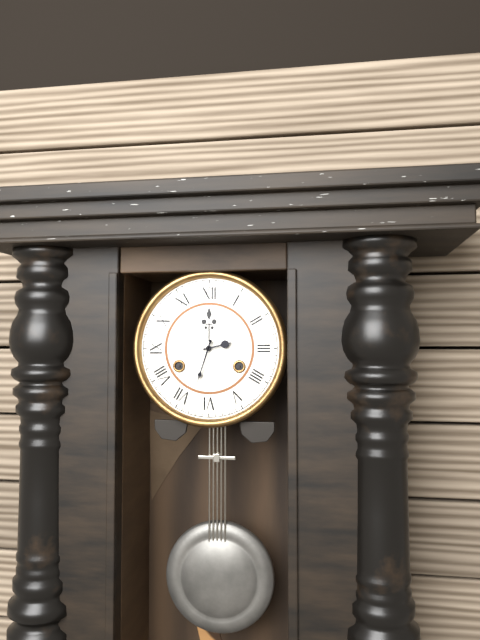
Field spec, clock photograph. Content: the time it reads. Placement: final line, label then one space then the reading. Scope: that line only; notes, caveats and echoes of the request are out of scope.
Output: 2:33
